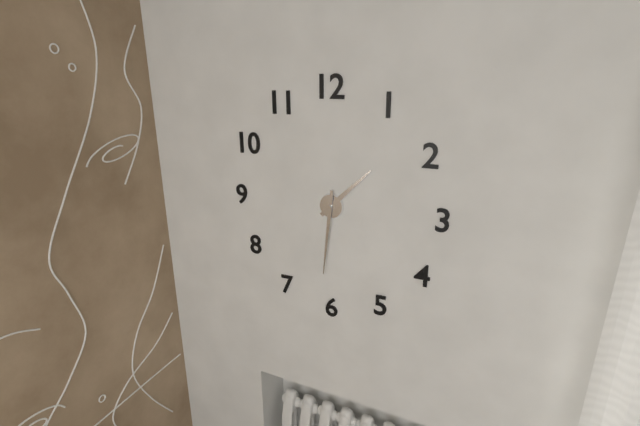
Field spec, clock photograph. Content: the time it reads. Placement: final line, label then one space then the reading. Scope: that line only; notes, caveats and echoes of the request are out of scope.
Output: 1:31
